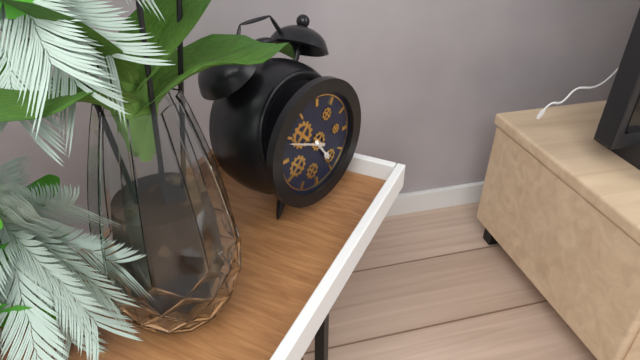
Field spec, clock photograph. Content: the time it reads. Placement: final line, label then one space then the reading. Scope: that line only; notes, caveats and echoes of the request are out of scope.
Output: 4:49
